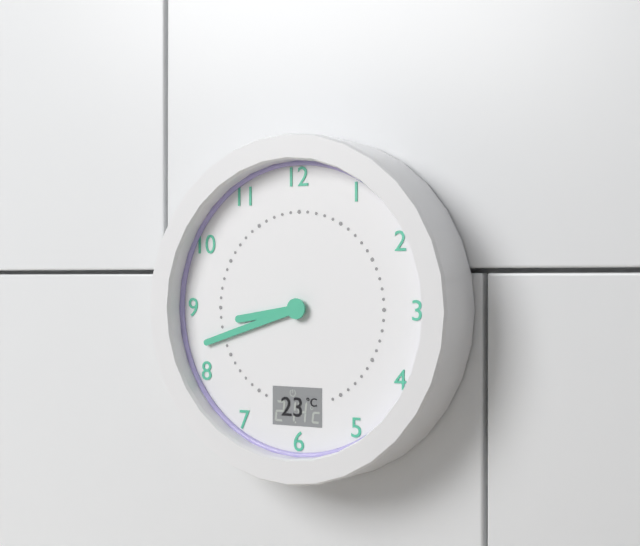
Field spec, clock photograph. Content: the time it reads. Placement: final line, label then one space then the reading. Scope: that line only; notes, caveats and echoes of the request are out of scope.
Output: 8:42
